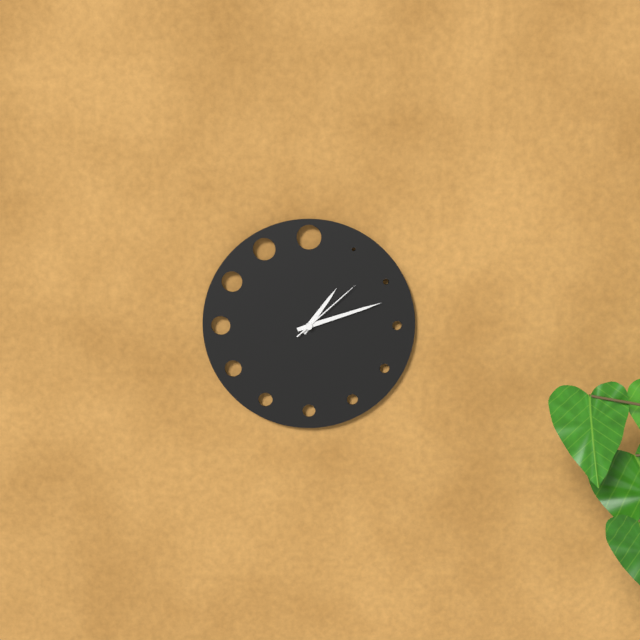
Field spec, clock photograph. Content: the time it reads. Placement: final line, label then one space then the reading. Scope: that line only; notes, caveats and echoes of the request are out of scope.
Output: 1:12:08
